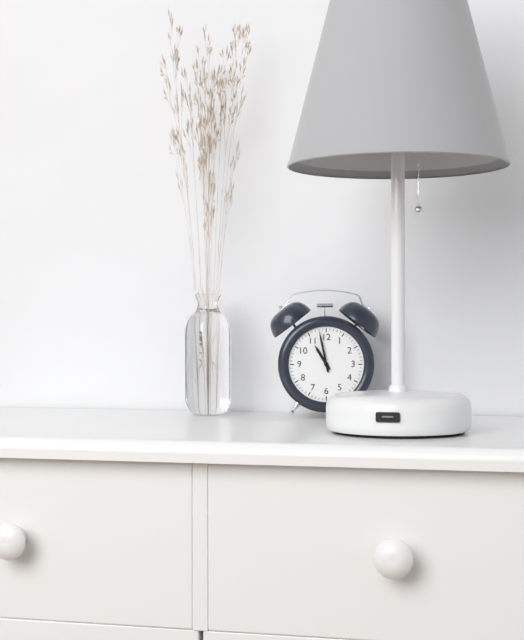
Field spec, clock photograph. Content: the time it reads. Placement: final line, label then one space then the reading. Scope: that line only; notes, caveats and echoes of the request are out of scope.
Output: 10:58
